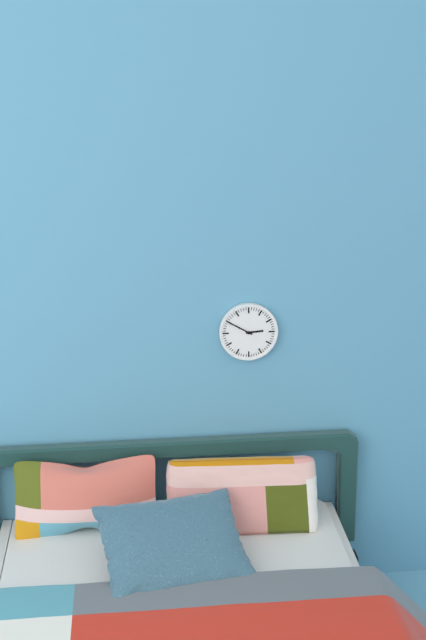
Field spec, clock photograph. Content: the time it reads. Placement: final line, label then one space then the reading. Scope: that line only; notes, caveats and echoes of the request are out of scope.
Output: 2:50
